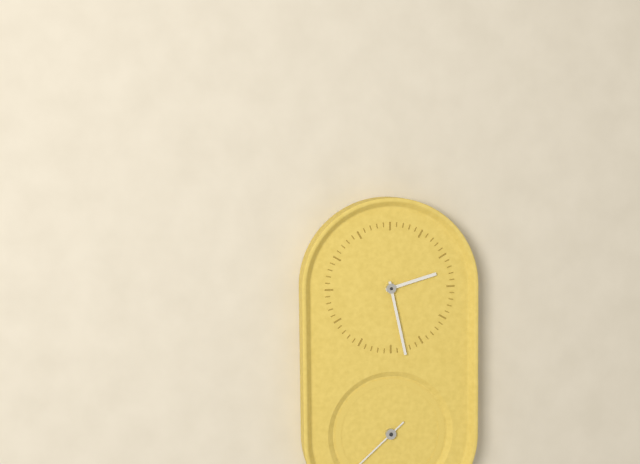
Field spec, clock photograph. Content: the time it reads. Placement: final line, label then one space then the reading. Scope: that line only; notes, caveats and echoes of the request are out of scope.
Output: 2:28
